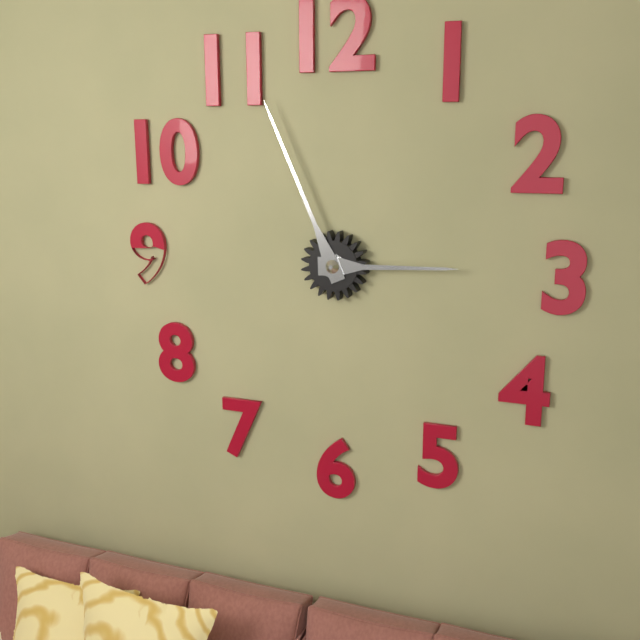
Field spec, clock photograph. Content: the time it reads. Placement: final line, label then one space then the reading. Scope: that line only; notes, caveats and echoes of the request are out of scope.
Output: 2:56
